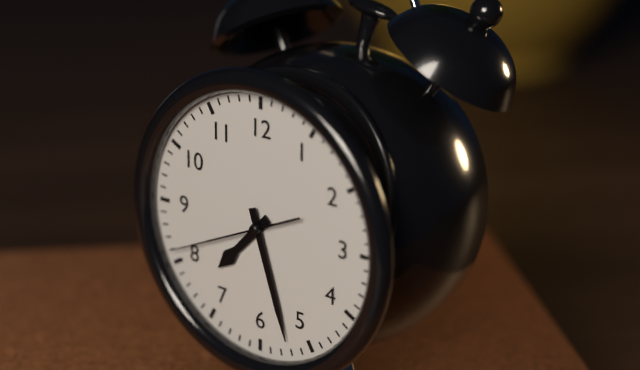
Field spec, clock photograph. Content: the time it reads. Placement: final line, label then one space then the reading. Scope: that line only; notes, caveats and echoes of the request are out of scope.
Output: 7:27:41
